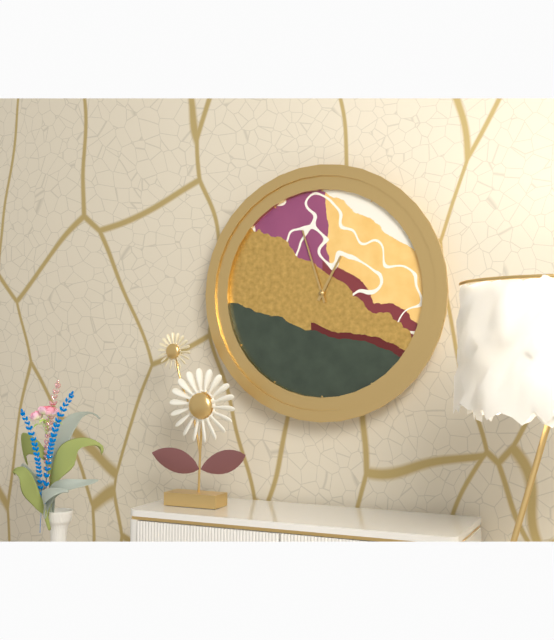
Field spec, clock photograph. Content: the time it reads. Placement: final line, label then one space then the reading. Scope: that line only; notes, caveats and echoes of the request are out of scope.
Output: 12:57
